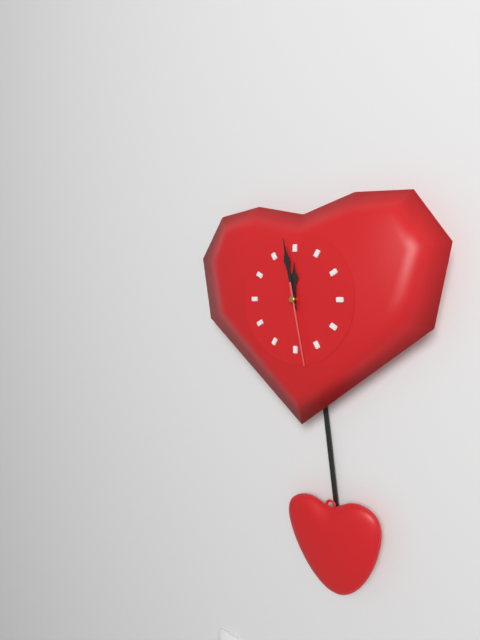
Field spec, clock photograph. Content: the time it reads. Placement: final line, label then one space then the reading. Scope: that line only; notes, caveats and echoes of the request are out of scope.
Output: 11:58:28
